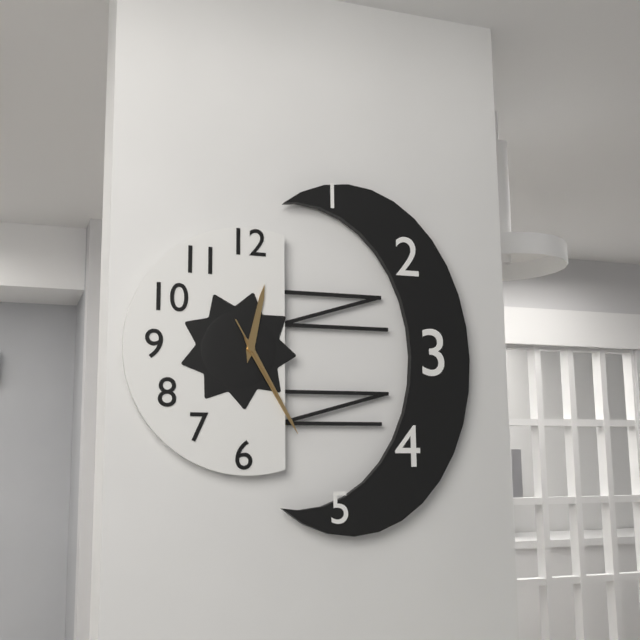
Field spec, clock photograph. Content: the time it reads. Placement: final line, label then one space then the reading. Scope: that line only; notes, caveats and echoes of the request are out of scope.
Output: 12:25:25
